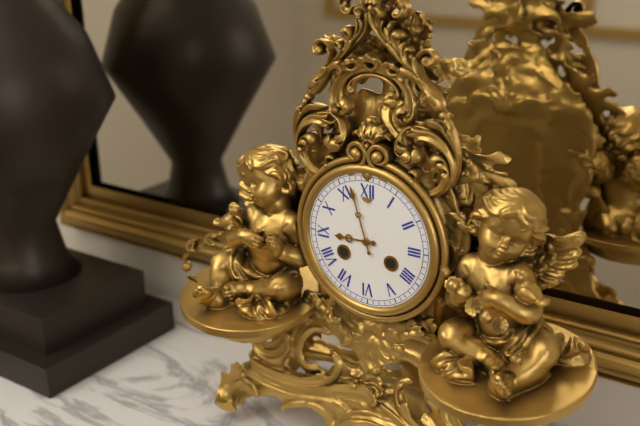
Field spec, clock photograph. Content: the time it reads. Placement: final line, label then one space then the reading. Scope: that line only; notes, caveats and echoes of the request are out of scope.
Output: 8:57
